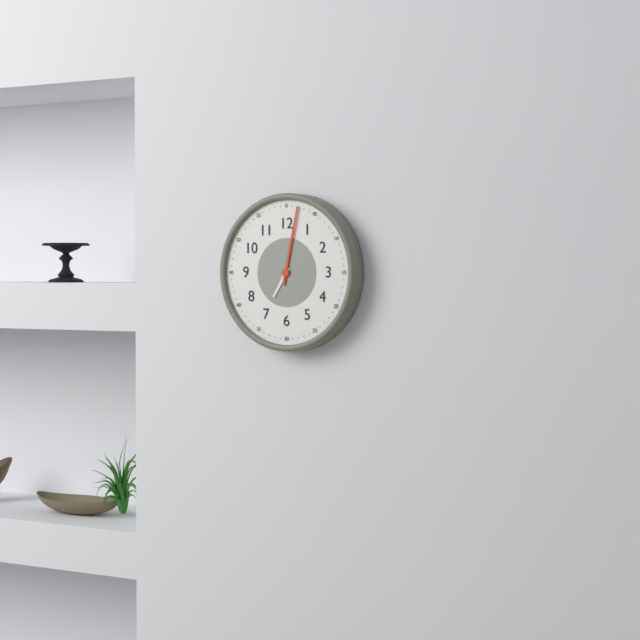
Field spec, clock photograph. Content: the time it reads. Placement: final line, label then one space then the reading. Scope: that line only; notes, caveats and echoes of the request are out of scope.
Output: 7:02
